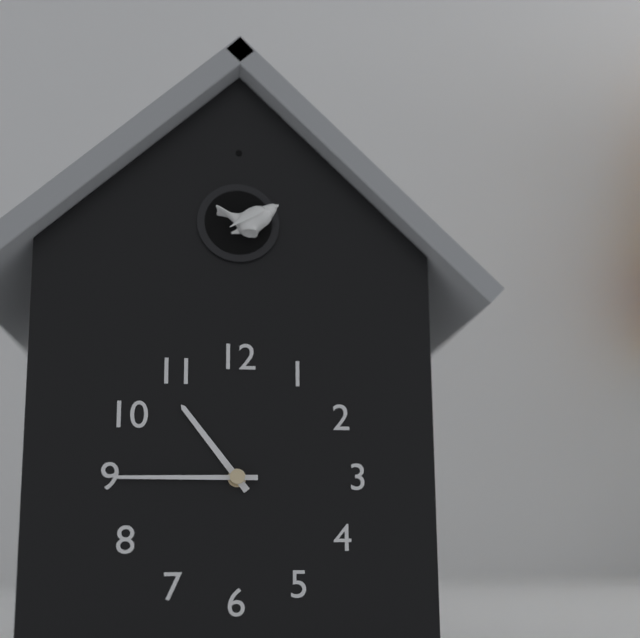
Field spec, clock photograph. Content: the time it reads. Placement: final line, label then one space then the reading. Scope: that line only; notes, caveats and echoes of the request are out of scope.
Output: 10:45
